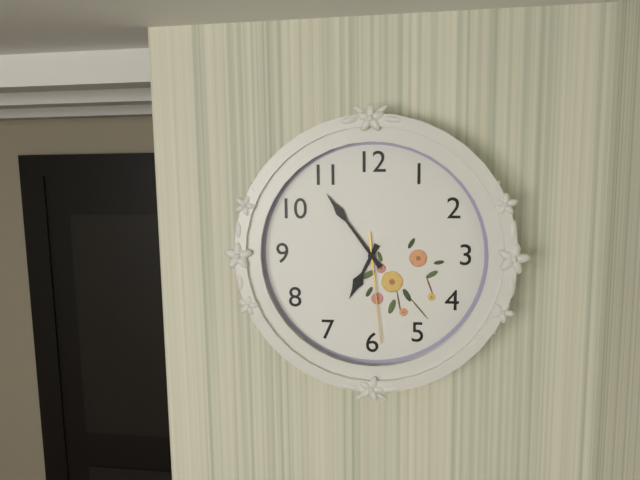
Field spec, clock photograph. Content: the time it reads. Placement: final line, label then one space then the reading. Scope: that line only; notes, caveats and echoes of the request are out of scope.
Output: 6:54:29
